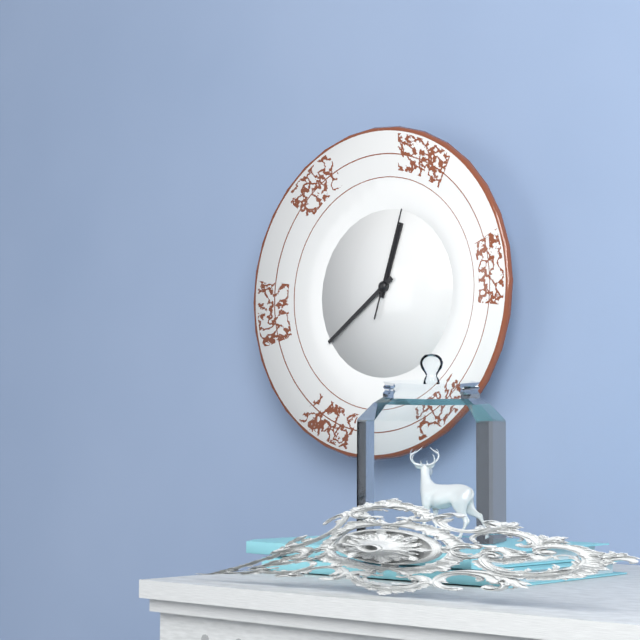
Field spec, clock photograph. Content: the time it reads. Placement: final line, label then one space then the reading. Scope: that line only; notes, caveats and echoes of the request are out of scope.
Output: 12:39:03
